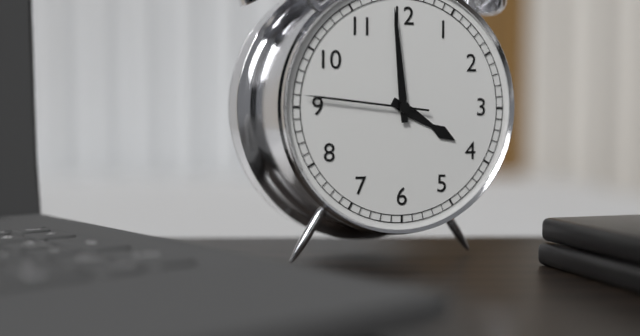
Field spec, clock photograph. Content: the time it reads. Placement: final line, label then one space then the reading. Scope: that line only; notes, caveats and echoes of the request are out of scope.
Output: 3:59:46
